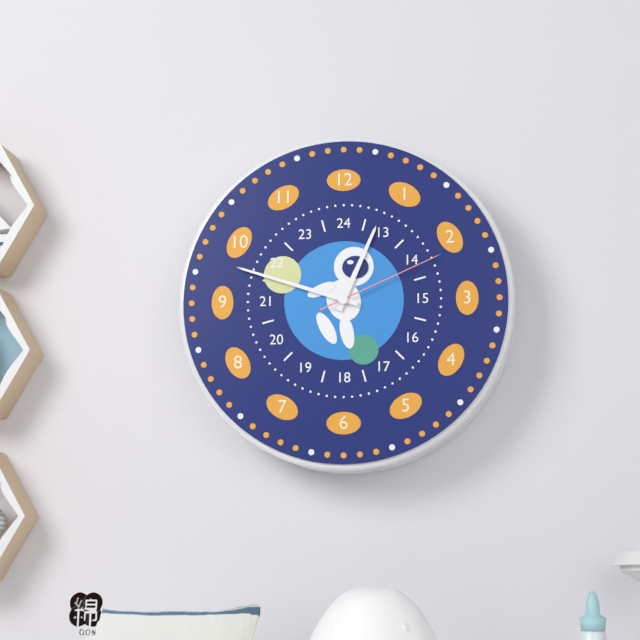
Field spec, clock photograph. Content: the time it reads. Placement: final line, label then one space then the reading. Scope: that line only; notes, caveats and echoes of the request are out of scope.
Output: 12:48:11
